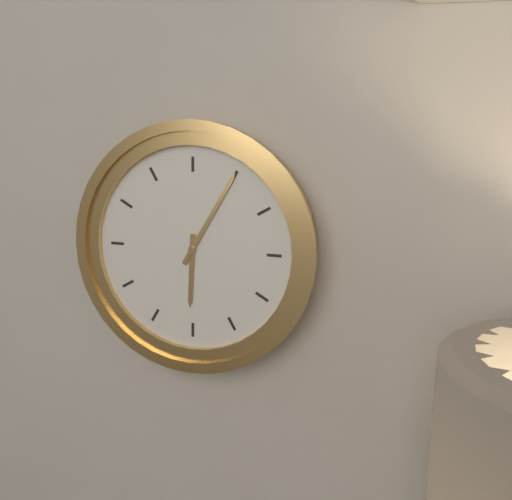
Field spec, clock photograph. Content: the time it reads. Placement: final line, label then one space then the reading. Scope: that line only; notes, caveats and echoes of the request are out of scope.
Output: 6:05
